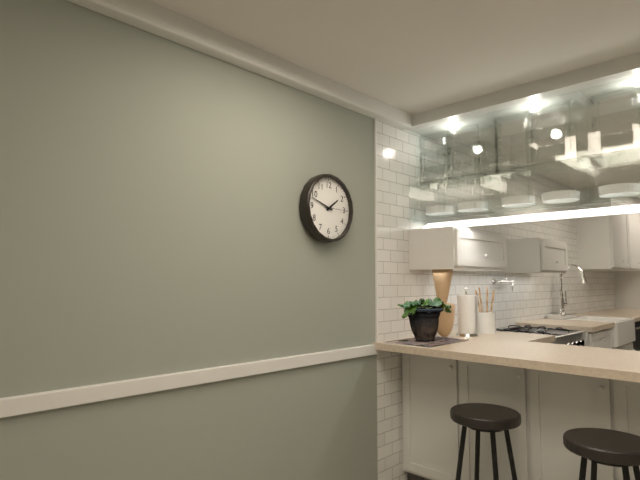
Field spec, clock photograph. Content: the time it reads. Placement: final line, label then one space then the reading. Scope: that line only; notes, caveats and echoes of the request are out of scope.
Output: 1:48
